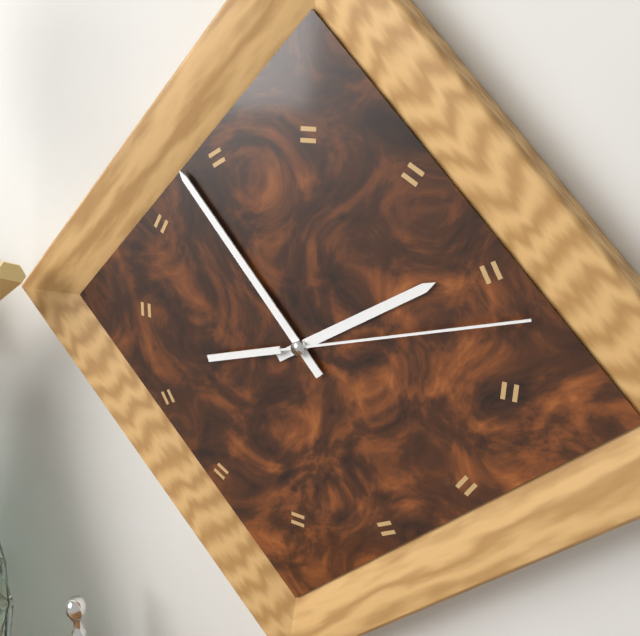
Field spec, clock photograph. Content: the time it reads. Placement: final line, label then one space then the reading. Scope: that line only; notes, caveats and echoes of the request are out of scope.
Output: 1:53:12
